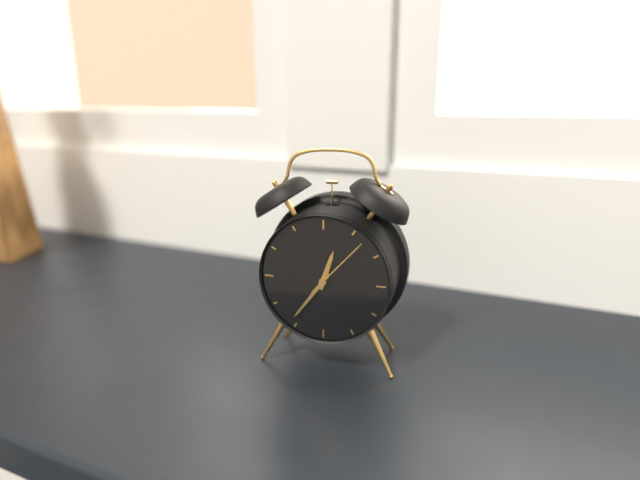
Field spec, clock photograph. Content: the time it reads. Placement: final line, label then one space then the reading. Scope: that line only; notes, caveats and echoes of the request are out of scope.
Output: 12:36:07
